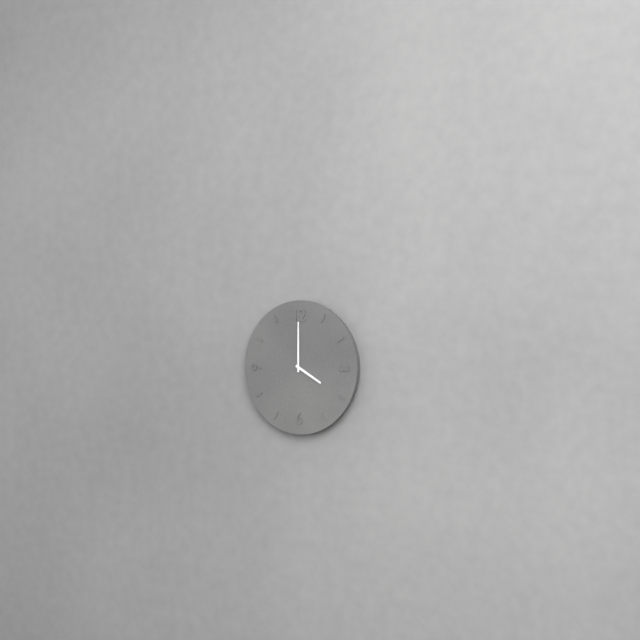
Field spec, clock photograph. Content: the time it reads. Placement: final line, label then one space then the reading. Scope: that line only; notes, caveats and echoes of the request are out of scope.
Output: 4:00
